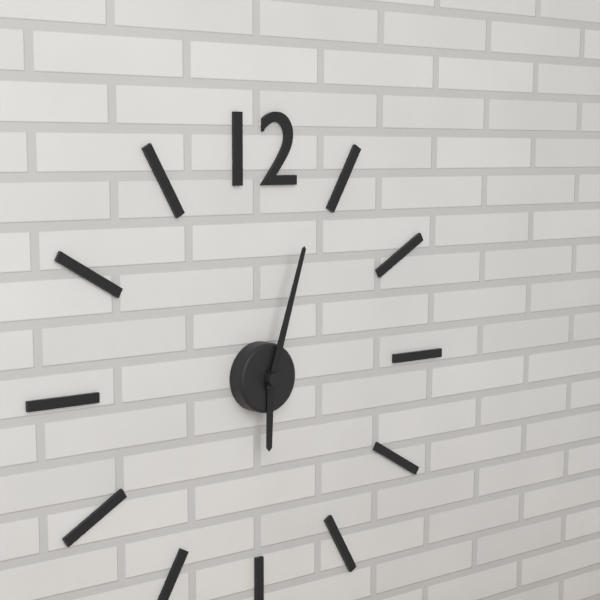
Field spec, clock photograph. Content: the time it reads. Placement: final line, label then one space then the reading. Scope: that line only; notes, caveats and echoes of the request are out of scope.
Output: 6:03
